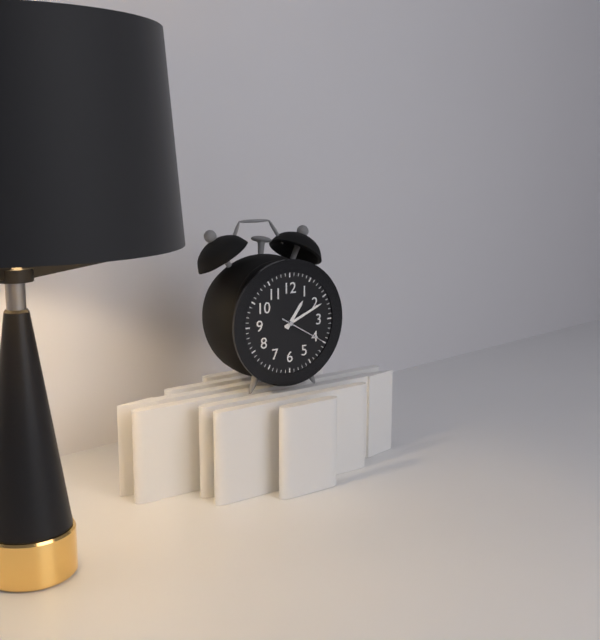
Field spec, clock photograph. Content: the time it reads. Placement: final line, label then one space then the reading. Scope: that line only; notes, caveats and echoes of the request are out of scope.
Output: 1:11
